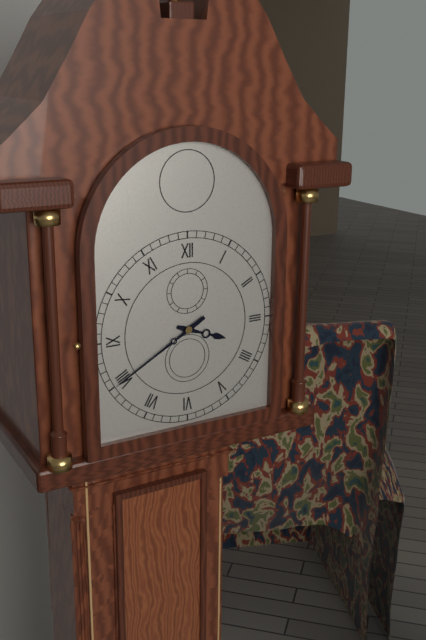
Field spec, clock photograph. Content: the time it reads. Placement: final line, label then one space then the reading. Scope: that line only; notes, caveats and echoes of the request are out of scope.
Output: 3:40
